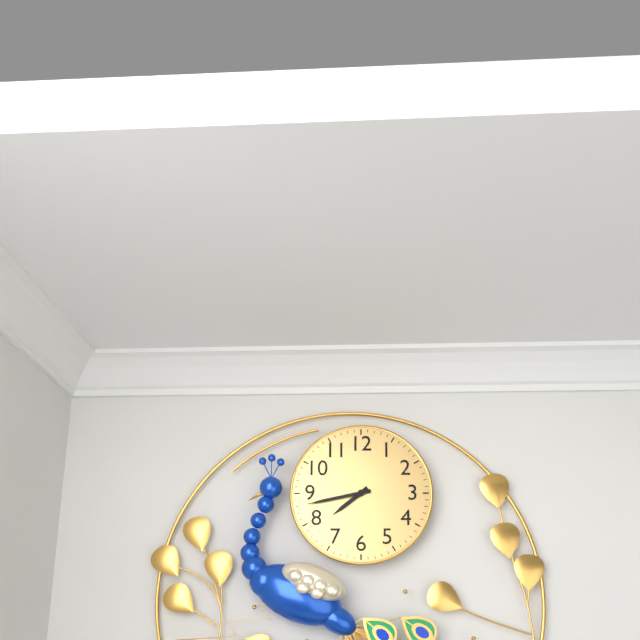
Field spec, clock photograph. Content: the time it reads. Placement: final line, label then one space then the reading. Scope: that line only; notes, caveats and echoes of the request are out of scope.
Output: 7:43
